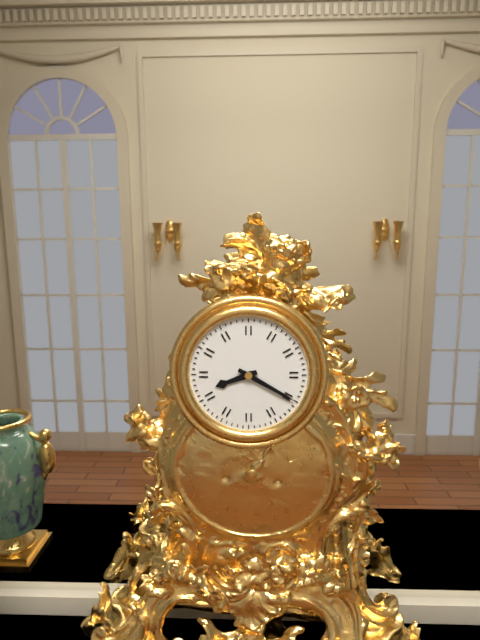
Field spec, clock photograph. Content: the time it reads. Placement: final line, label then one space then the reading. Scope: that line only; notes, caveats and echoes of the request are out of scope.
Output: 8:20
